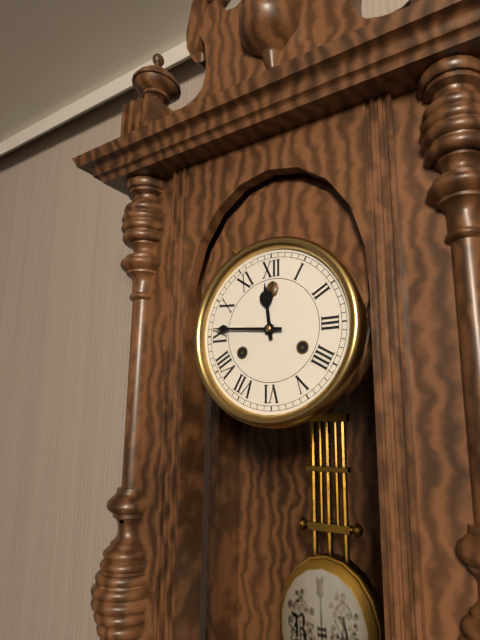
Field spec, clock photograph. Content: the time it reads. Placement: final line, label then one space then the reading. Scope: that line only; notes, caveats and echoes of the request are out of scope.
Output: 11:46
